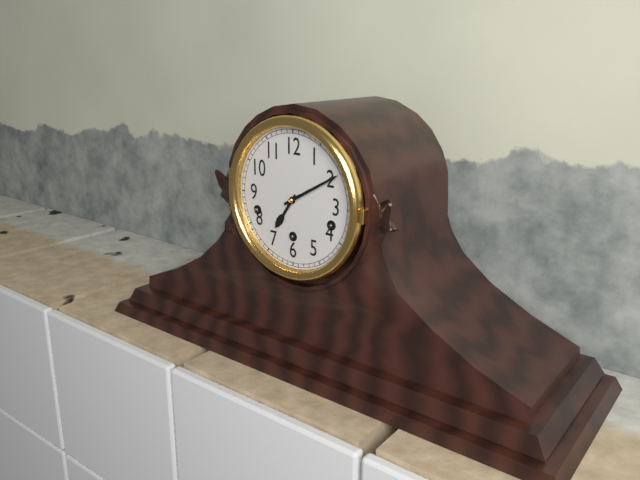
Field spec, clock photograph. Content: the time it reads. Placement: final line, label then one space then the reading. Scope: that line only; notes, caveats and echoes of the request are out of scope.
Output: 7:10
